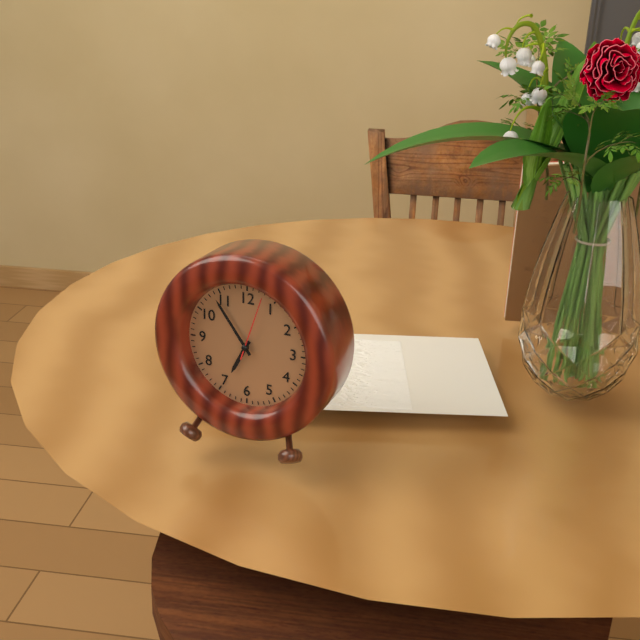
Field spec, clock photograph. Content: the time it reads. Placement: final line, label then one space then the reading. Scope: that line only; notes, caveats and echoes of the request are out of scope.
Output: 6:54:03
